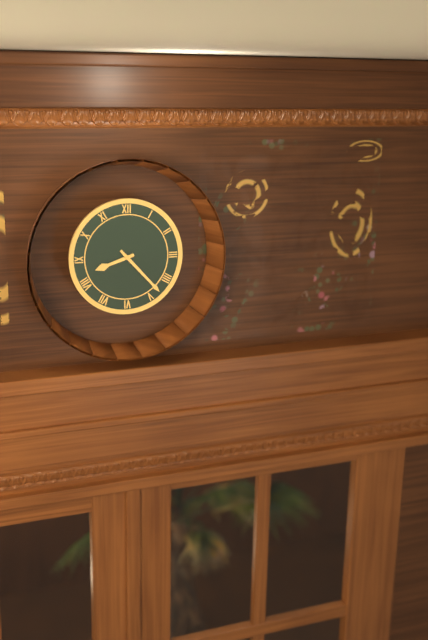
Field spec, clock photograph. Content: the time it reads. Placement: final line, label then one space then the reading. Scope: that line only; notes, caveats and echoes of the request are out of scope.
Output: 8:23
